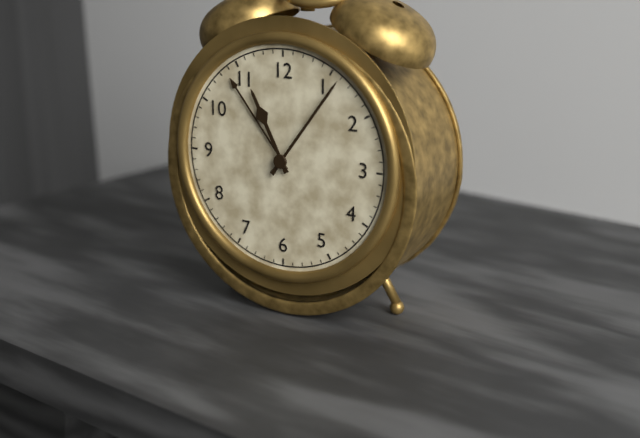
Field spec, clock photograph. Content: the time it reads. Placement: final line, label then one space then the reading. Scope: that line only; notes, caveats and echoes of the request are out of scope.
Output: 11:06
